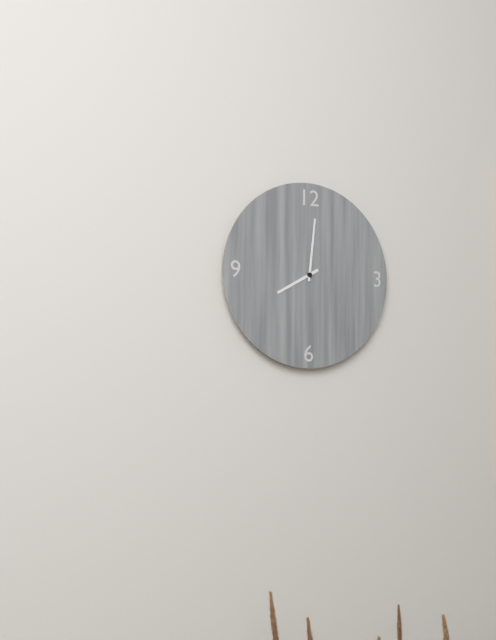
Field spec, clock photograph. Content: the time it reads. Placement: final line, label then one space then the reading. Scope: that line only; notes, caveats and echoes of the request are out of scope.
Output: 8:01
